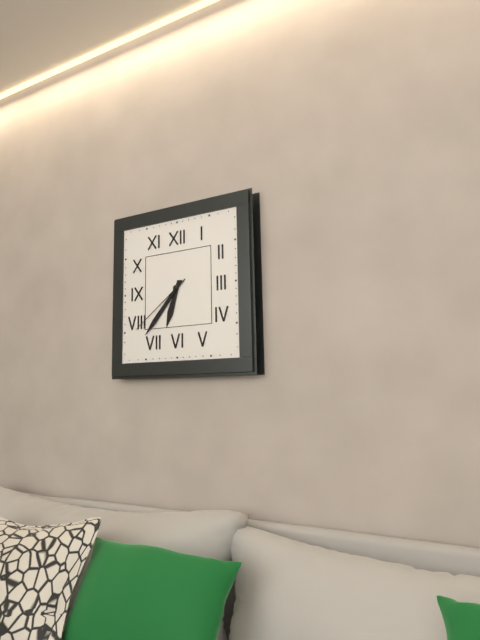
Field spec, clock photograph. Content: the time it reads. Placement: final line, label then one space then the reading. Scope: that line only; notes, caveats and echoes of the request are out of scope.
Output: 6:37:39
